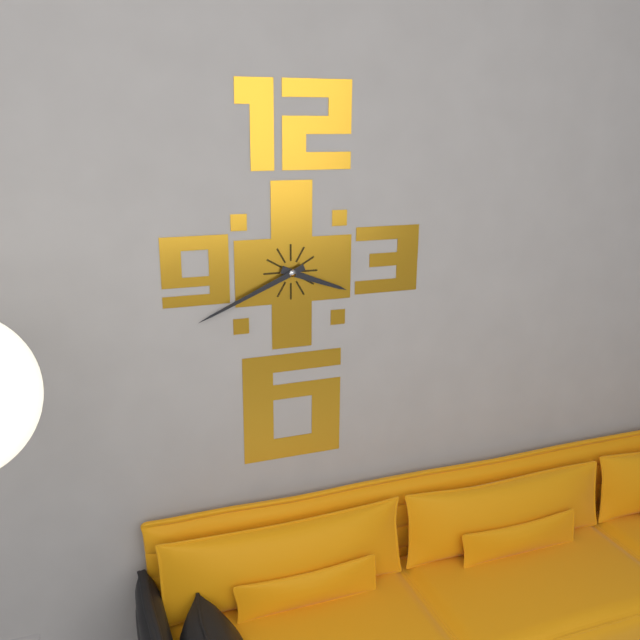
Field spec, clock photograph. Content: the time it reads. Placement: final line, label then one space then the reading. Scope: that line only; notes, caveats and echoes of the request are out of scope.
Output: 3:41
